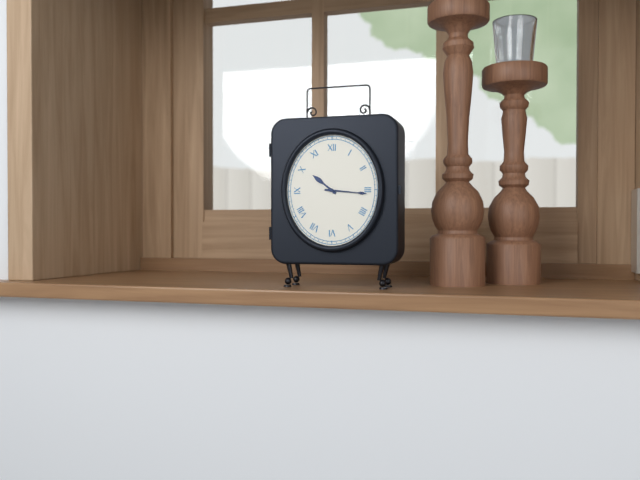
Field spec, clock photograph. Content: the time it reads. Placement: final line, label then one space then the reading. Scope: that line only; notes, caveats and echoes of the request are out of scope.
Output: 10:16
